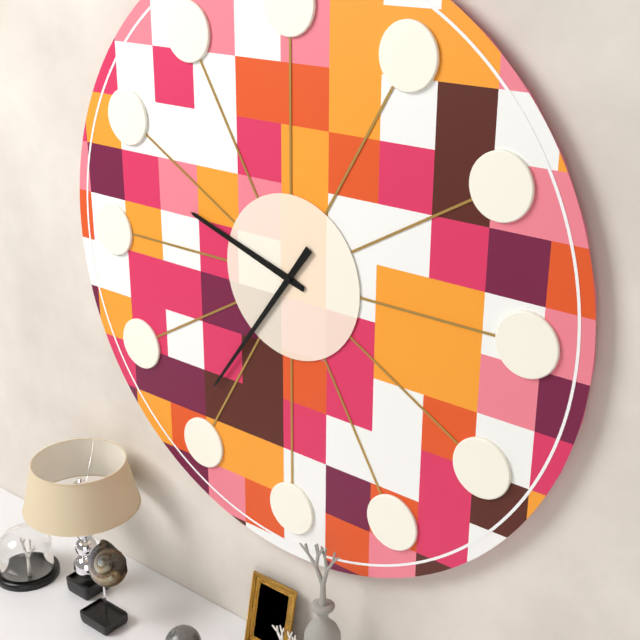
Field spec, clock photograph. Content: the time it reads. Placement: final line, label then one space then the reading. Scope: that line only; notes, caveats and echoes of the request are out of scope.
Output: 9:36
